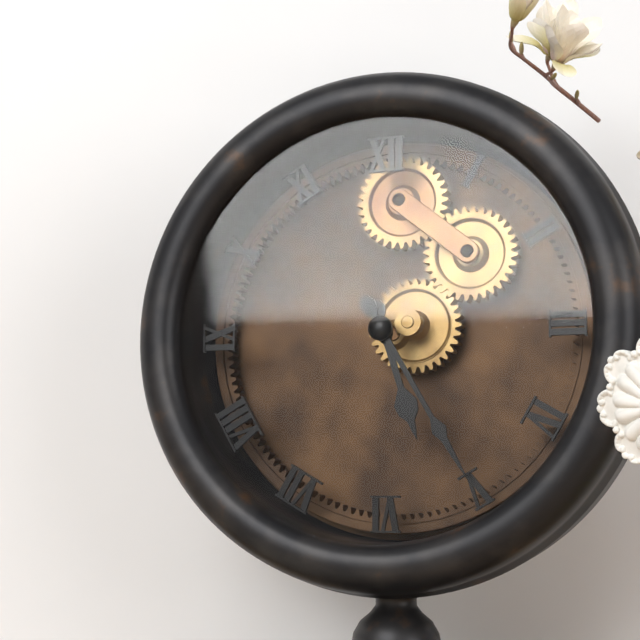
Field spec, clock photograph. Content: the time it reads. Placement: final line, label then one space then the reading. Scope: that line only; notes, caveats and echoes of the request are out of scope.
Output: 5:25
